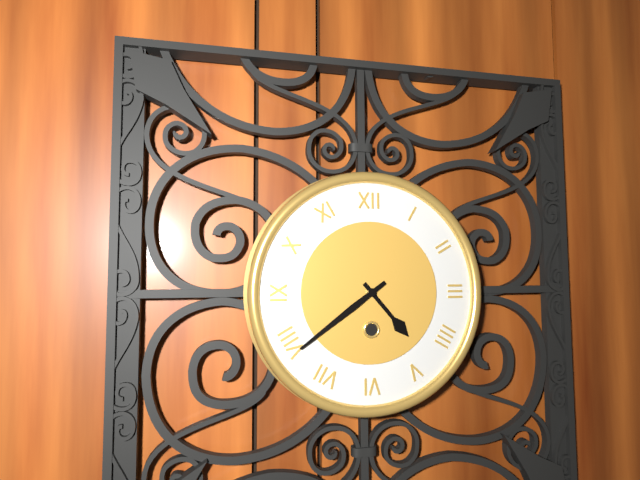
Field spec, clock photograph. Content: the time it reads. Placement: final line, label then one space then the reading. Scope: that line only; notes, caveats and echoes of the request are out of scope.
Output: 4:39
